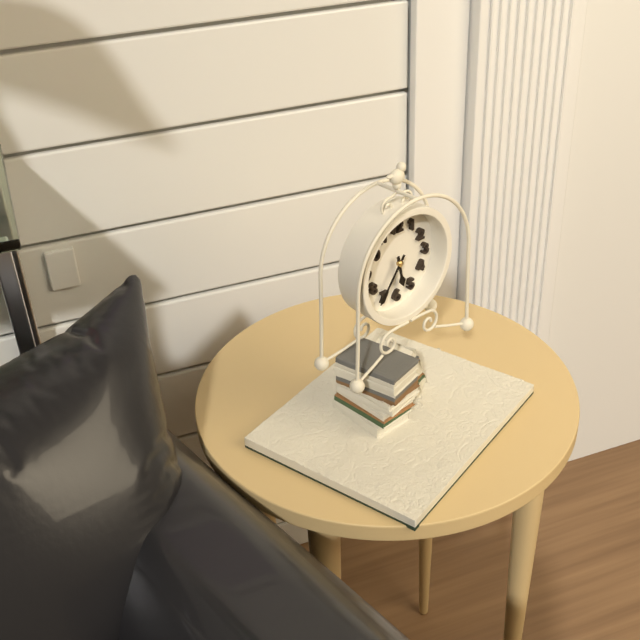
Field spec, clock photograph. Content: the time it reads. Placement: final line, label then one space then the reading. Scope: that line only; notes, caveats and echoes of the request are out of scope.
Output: 5:36
